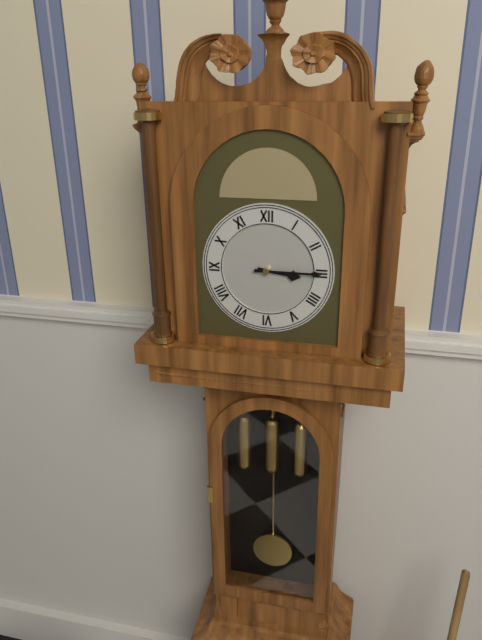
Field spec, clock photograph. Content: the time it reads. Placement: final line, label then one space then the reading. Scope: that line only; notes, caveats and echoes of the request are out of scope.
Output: 3:15
